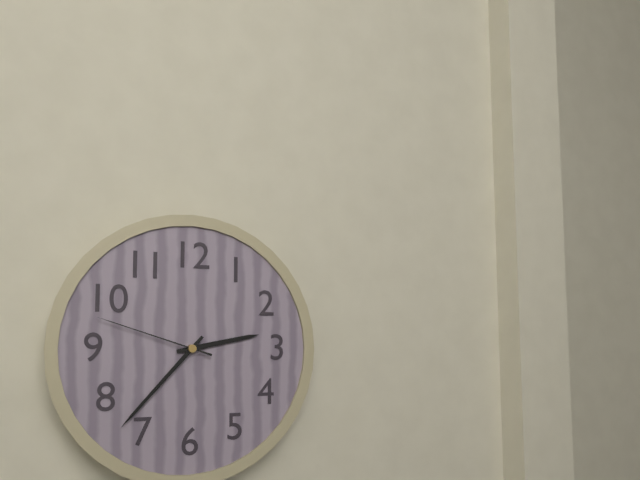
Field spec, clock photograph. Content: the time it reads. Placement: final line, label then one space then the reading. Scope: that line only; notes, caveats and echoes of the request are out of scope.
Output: 2:37:48
